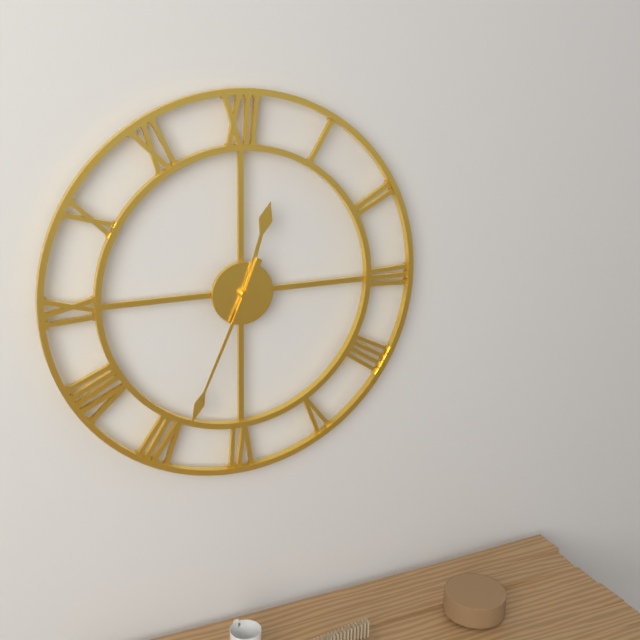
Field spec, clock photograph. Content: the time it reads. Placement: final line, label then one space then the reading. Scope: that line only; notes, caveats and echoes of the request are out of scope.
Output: 12:34
